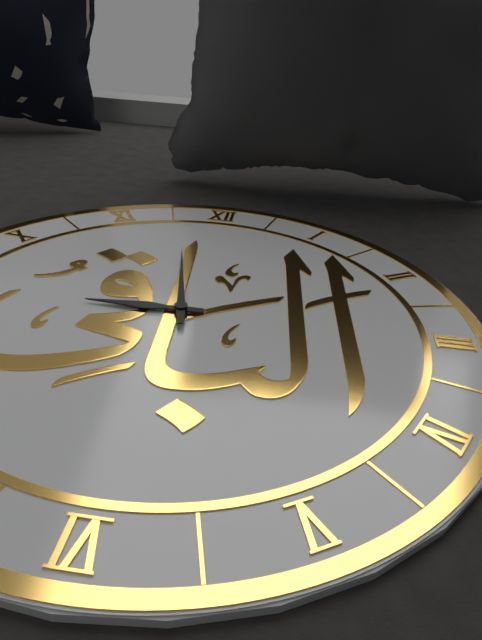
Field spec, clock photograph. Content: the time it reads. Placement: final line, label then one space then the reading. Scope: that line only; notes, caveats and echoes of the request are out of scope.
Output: 8:58
